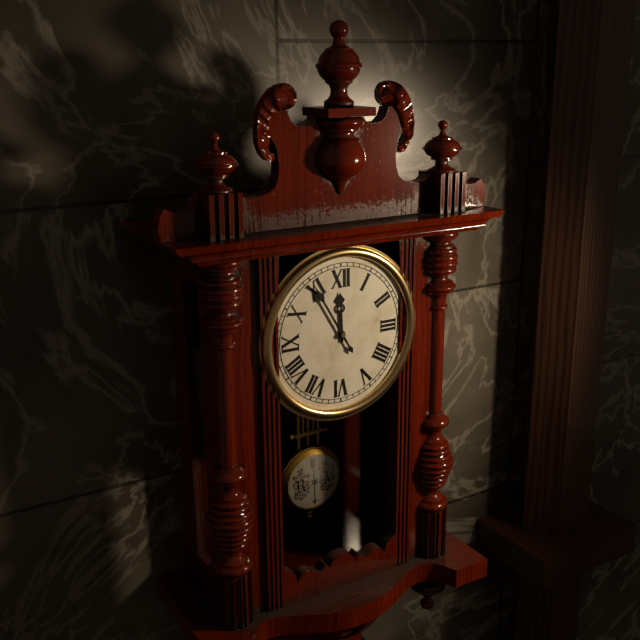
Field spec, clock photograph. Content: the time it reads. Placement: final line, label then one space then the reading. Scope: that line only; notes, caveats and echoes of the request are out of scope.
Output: 11:55
